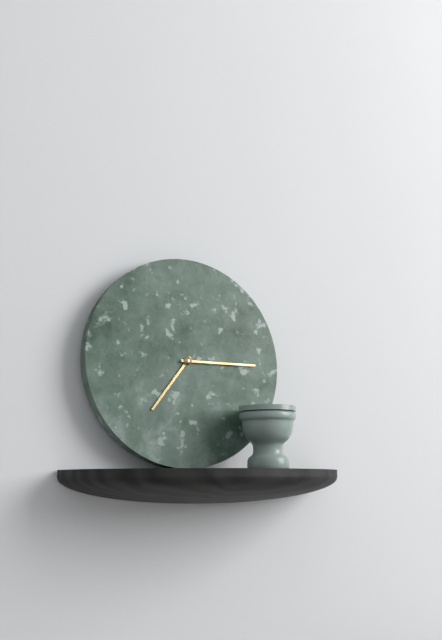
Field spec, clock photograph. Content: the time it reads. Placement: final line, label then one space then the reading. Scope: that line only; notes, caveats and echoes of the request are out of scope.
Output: 7:15
